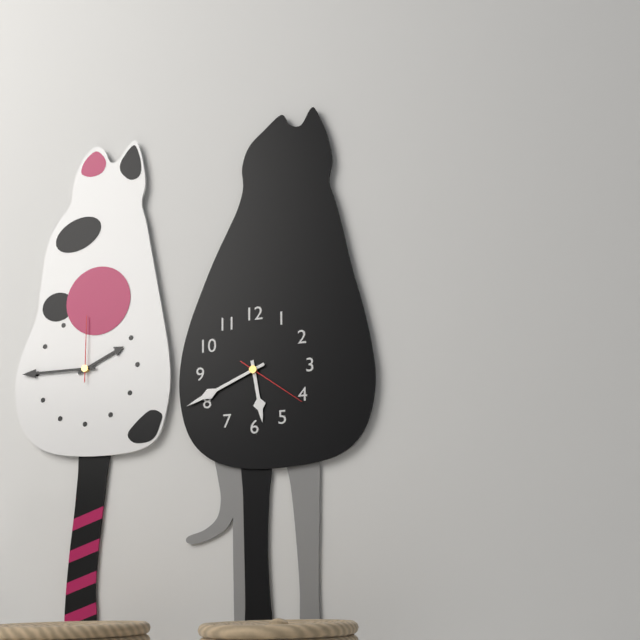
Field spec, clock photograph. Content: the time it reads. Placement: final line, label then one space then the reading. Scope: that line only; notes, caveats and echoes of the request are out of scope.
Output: 5:41:21
